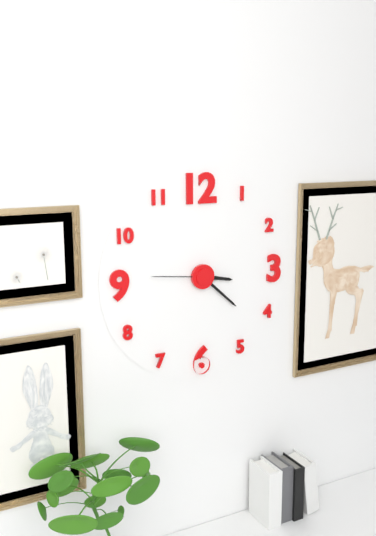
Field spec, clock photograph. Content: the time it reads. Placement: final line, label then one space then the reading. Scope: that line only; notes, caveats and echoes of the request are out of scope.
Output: 3:22:46
